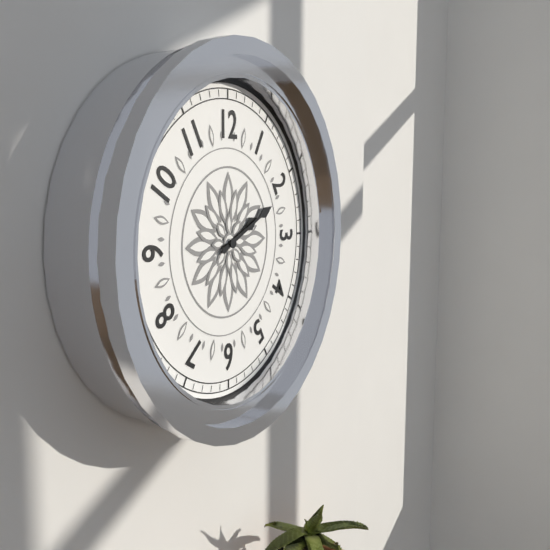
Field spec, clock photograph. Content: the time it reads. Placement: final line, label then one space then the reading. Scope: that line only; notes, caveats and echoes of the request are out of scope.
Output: 2:11
